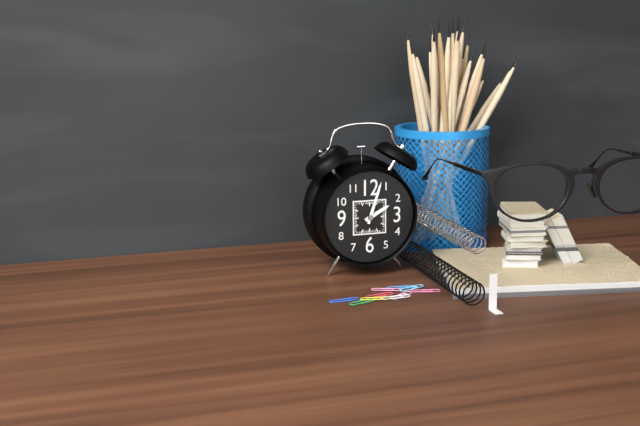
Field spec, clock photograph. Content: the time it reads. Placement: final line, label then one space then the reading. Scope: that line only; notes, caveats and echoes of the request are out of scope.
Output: 2:03
